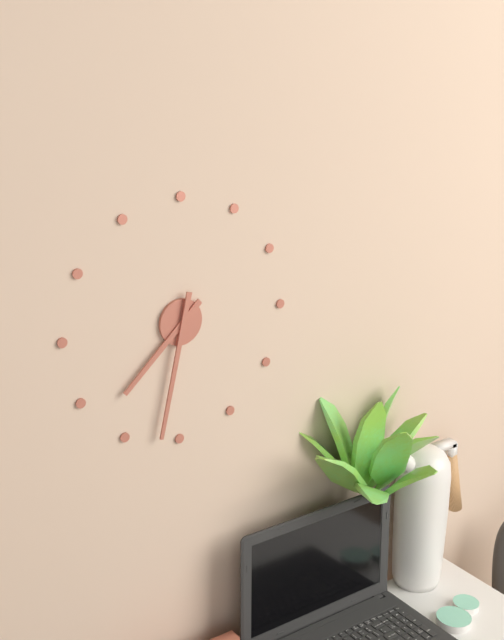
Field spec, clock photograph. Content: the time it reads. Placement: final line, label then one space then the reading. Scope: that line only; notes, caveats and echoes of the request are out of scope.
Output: 7:32
